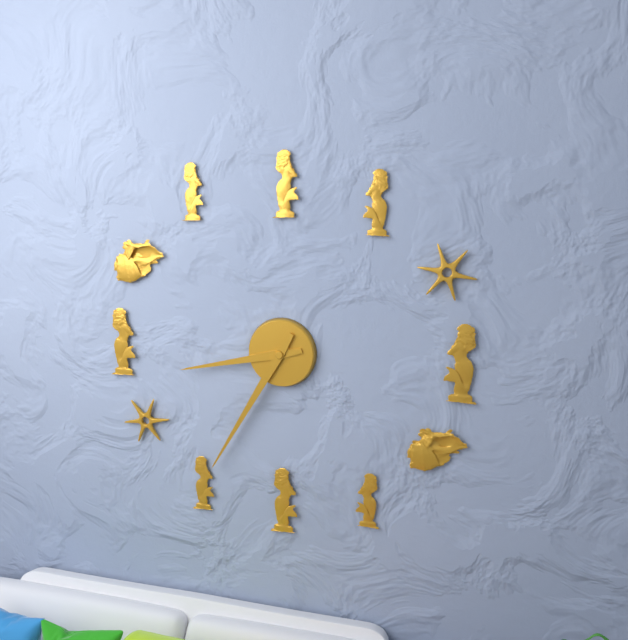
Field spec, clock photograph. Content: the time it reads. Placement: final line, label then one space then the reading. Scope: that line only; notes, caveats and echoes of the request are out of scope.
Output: 8:35
